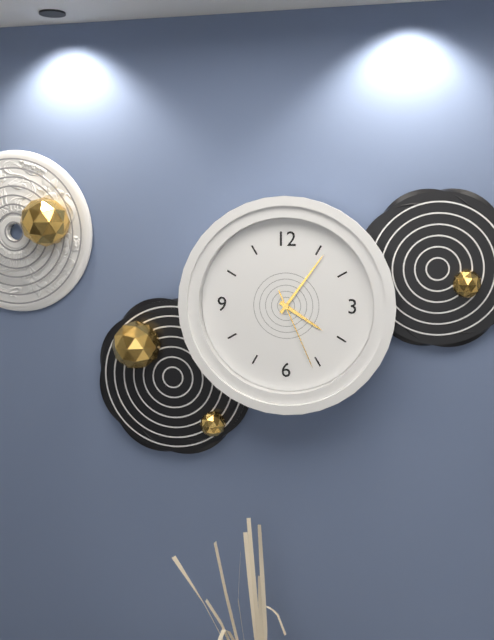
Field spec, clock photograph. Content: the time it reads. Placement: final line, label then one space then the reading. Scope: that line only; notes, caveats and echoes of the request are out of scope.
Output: 4:06:26
